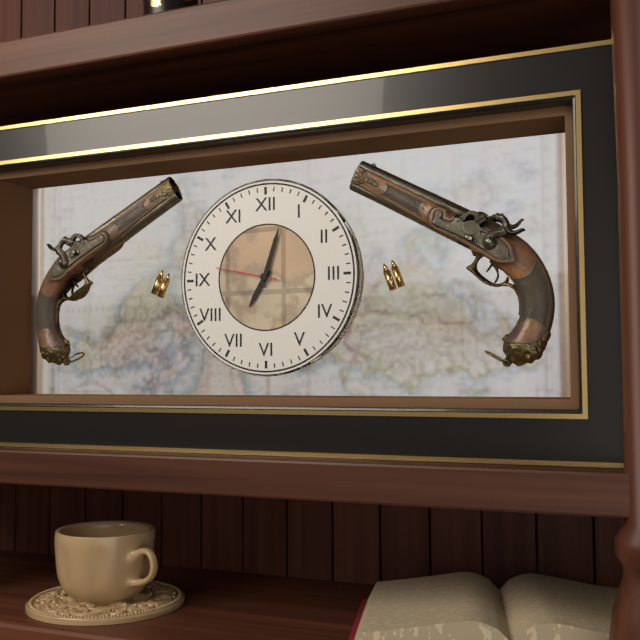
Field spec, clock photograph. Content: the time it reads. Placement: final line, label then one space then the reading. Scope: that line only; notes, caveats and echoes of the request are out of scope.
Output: 7:03:47
